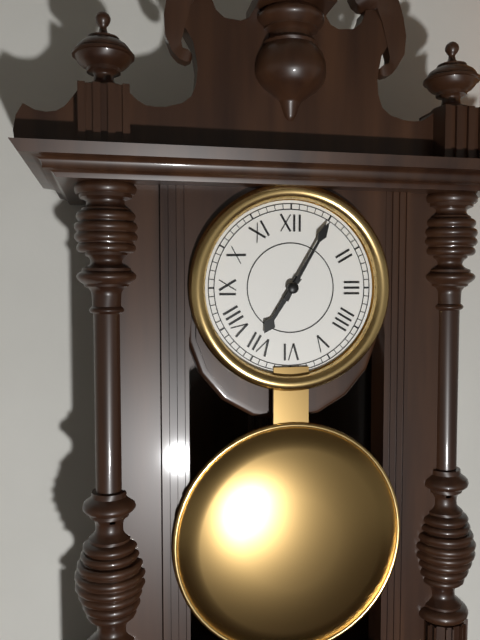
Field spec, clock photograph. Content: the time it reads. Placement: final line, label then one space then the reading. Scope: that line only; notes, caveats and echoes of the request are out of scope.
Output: 7:05
